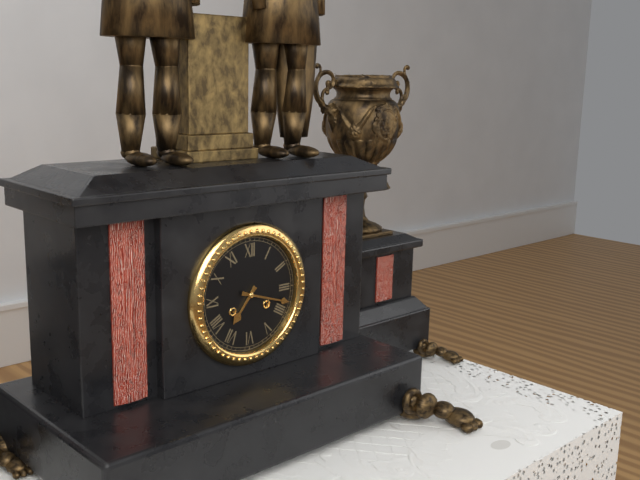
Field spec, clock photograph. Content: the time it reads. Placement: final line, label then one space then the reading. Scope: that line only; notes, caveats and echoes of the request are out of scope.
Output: 7:18
